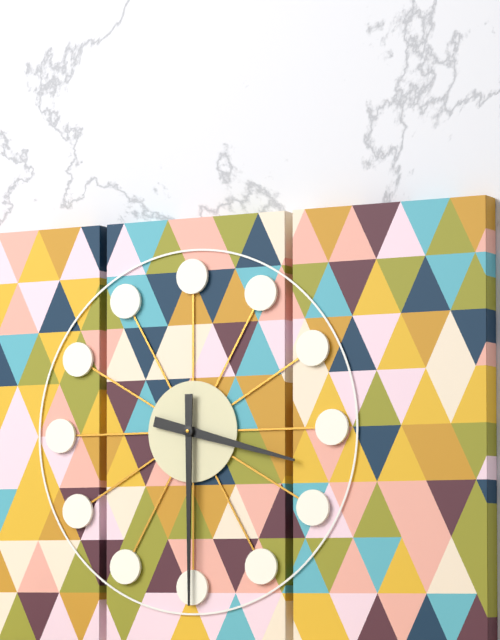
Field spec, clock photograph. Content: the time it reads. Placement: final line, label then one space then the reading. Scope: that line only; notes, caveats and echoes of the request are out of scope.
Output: 3:30
